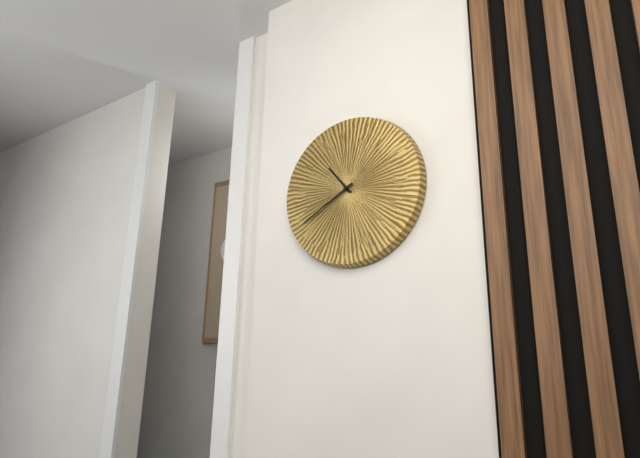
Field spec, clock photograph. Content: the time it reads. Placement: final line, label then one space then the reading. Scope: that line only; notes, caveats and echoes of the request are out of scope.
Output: 10:40
